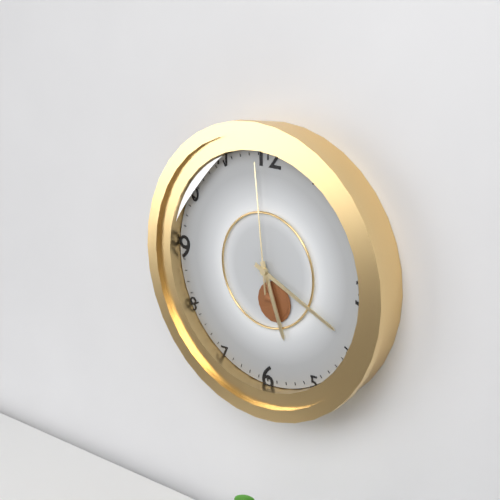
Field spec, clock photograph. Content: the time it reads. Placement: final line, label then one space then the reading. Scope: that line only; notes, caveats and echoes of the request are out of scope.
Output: 5:19:59
